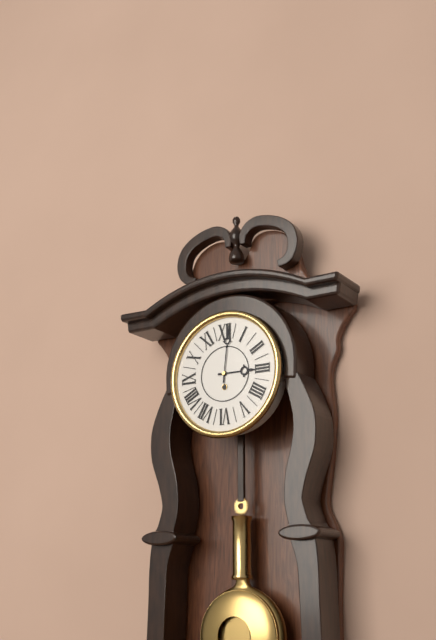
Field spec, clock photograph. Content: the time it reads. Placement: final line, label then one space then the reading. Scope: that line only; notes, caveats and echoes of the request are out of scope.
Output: 3:01
